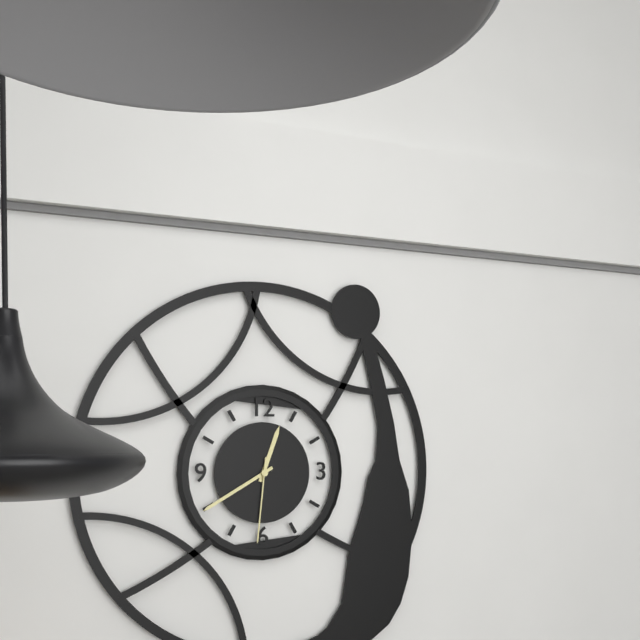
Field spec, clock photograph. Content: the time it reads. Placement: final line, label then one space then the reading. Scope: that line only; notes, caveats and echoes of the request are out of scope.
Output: 12:40:31
